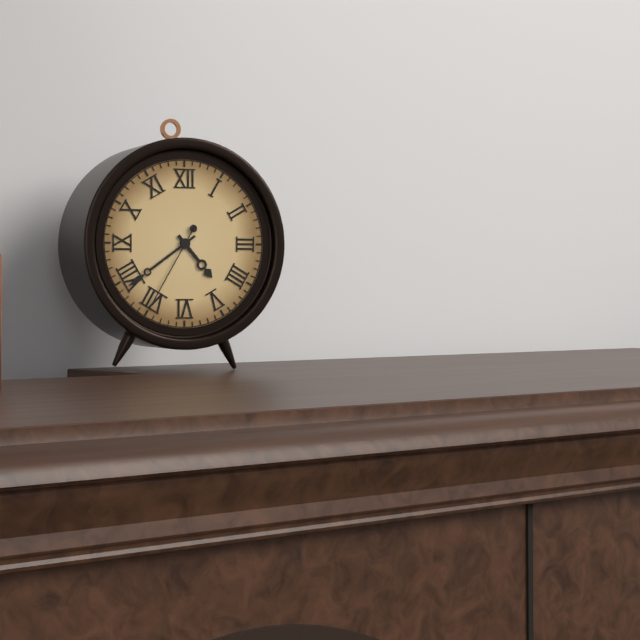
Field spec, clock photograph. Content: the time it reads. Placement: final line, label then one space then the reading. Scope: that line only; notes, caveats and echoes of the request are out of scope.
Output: 4:39:35
